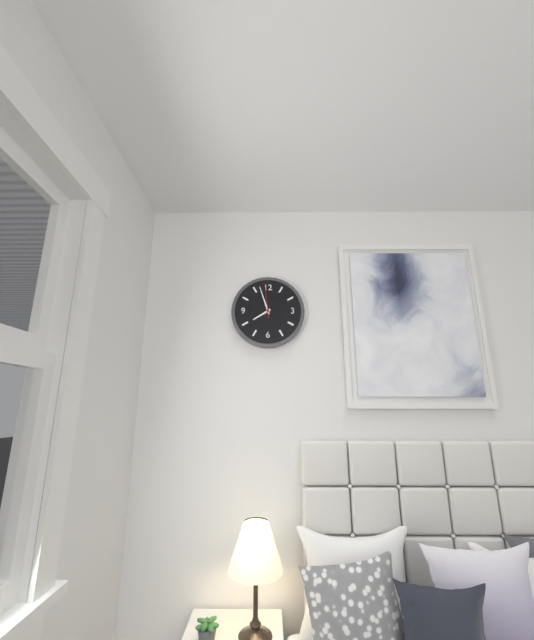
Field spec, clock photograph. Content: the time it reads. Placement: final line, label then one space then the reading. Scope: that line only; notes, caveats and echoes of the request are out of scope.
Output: 7:57
